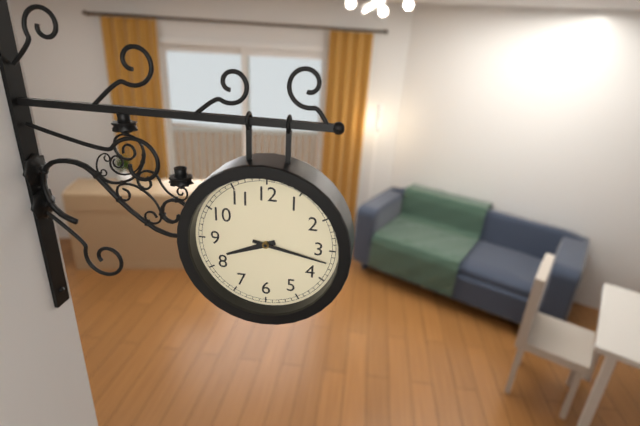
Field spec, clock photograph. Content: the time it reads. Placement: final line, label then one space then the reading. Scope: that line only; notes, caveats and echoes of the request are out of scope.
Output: 8:17
